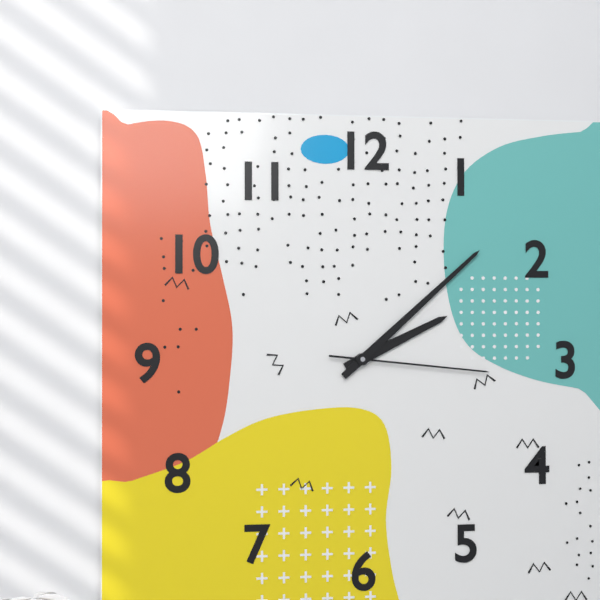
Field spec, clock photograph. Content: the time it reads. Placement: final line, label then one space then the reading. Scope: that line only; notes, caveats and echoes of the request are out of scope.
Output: 2:08:16
